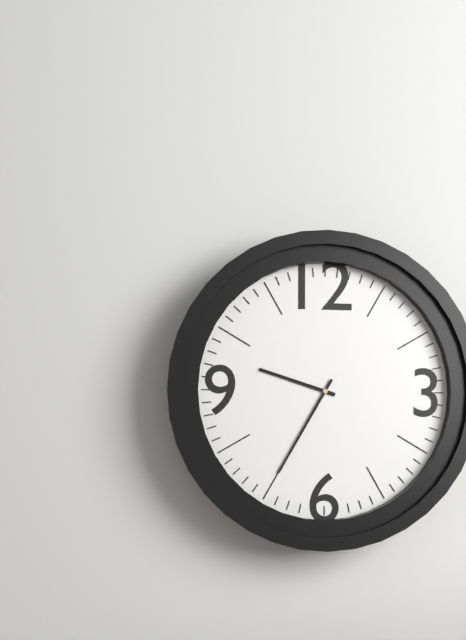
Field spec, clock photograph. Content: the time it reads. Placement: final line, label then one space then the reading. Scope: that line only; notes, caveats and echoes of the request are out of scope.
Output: 9:35
